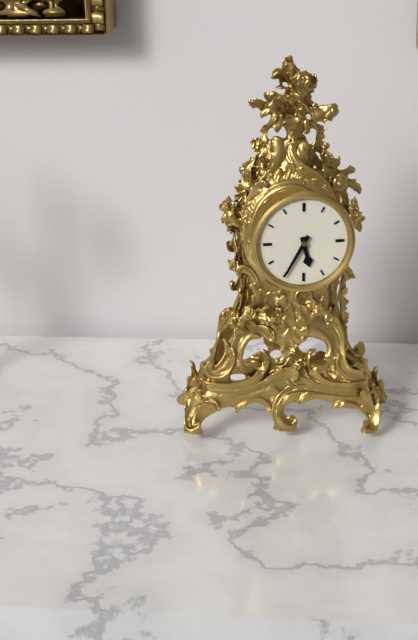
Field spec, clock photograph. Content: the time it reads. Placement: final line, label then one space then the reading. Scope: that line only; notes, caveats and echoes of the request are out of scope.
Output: 5:35
